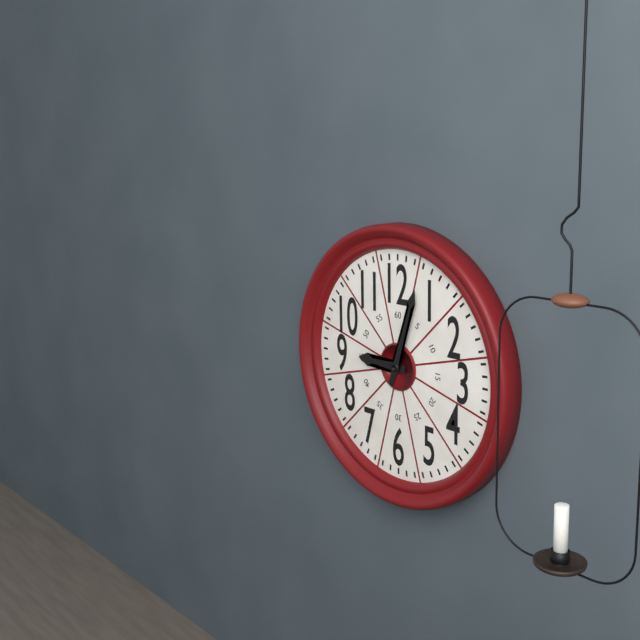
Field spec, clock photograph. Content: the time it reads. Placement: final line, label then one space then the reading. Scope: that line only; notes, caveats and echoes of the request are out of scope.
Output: 9:03
